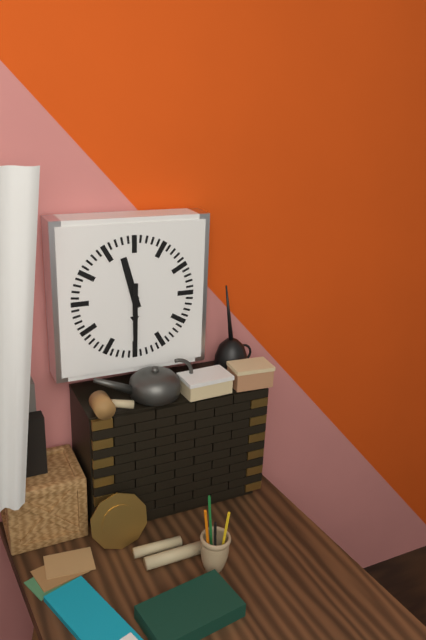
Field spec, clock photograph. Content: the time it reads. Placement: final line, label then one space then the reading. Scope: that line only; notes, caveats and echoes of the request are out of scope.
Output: 11:30
